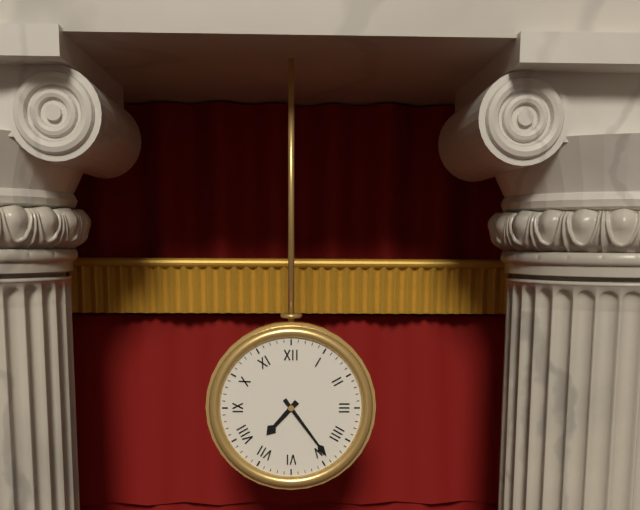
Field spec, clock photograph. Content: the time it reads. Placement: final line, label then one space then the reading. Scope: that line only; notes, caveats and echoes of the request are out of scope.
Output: 7:24
